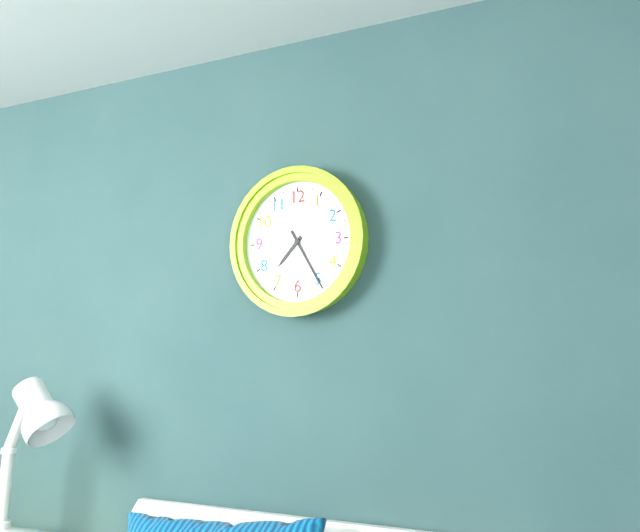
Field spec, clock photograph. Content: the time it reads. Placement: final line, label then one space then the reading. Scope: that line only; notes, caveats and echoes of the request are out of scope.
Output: 7:25
